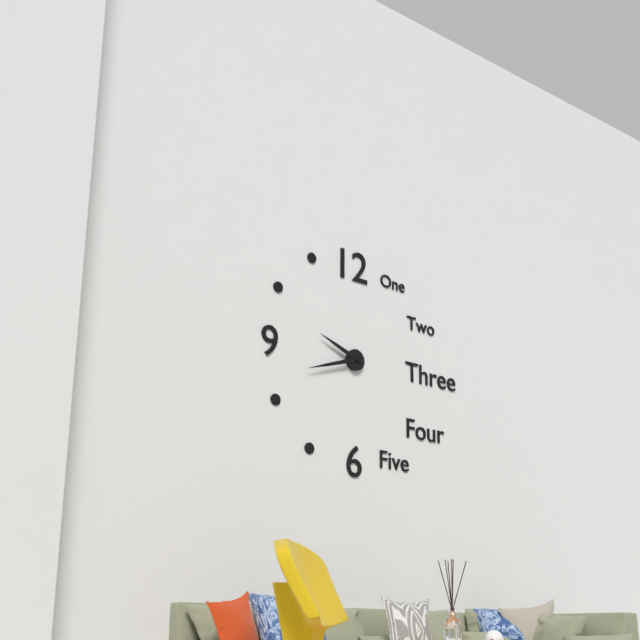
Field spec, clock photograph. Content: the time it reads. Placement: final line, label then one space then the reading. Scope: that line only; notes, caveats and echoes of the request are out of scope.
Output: 9:42
